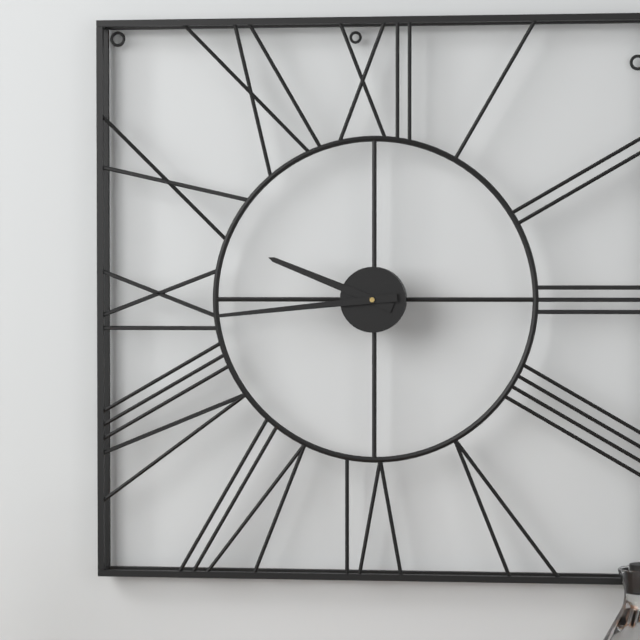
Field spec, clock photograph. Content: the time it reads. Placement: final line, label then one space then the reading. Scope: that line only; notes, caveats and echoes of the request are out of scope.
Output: 9:44
